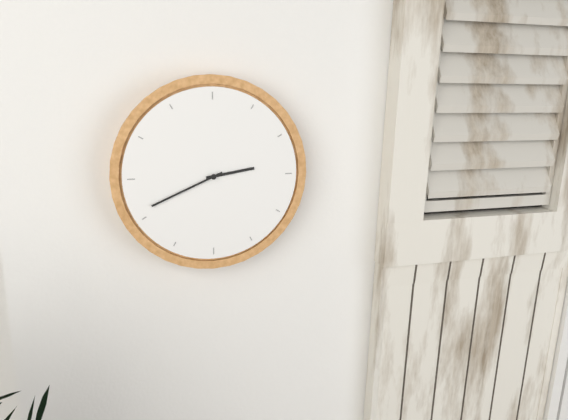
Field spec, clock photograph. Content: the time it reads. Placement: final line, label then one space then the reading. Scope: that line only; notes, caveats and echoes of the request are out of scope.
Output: 2:41
